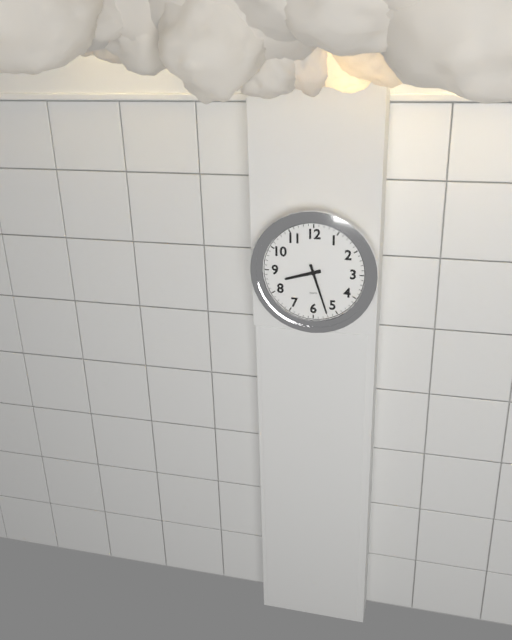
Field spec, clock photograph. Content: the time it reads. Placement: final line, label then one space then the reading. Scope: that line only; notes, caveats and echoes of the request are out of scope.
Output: 8:27
